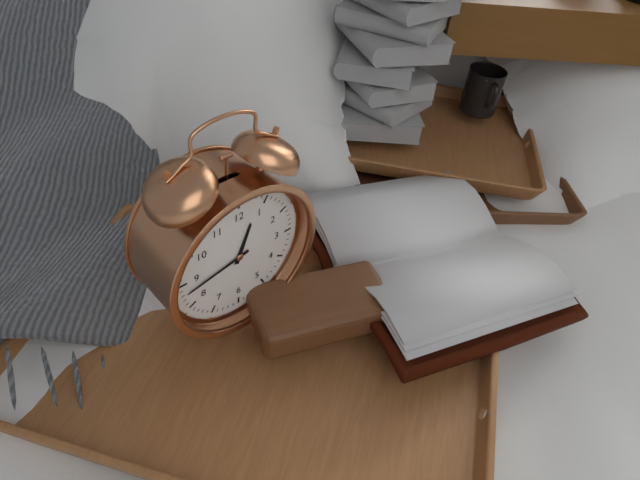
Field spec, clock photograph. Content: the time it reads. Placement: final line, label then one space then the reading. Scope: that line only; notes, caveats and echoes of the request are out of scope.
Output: 12:43
